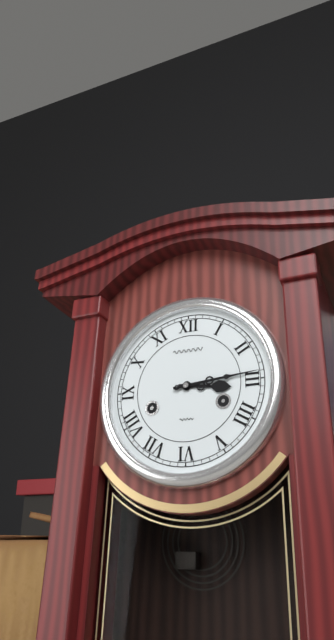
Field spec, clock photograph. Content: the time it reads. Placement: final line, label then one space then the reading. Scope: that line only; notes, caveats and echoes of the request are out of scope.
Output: 3:14
